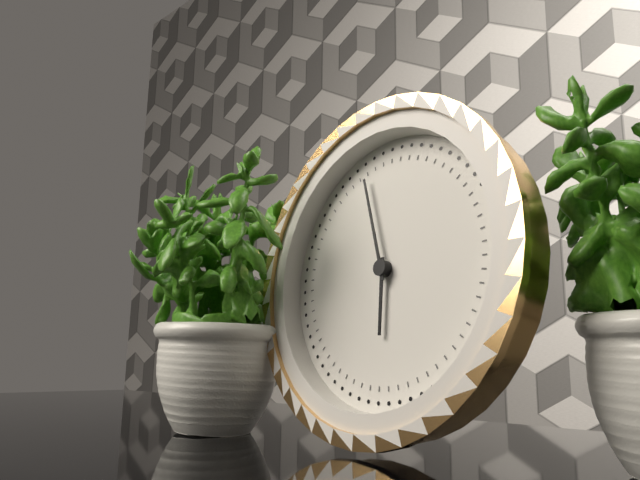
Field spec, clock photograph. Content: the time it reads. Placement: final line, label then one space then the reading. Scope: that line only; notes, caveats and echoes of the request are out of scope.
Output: 5:57
